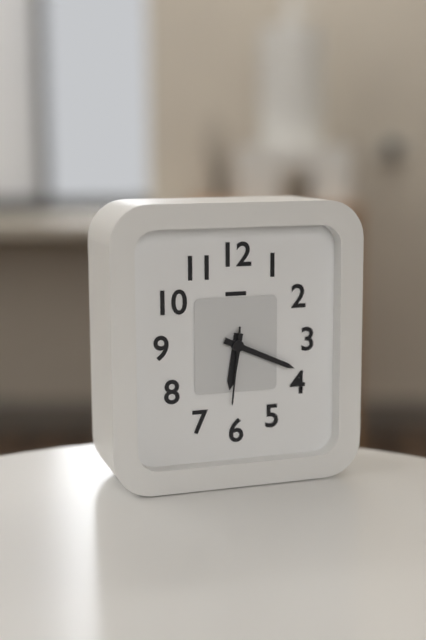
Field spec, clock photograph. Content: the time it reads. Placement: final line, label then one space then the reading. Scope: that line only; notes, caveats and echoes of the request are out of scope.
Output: 6:19:31
